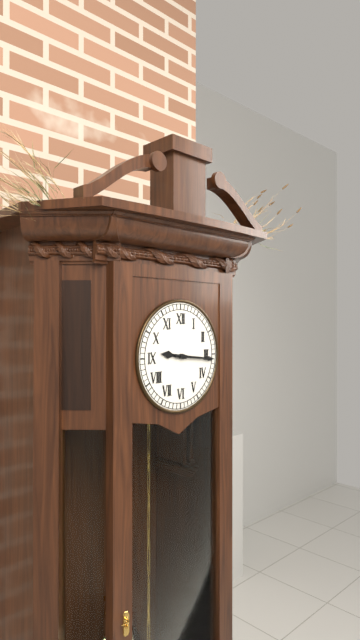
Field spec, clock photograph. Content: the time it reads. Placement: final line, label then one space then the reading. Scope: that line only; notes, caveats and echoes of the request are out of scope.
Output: 9:16
